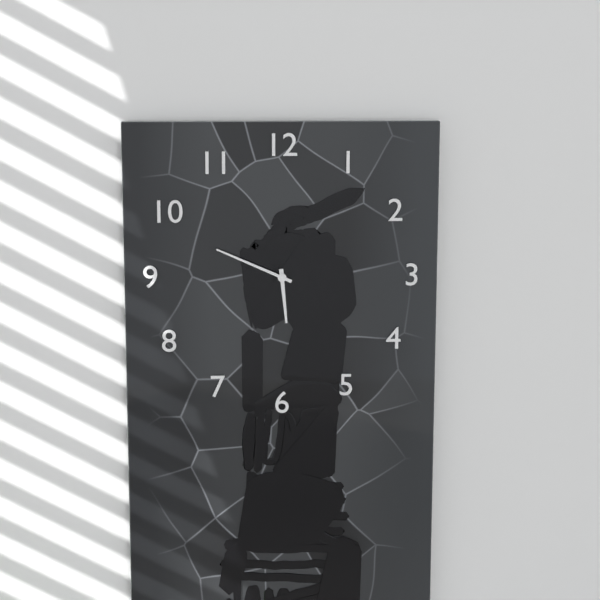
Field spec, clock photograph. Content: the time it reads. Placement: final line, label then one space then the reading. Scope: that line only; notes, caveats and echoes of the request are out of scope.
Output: 5:49
